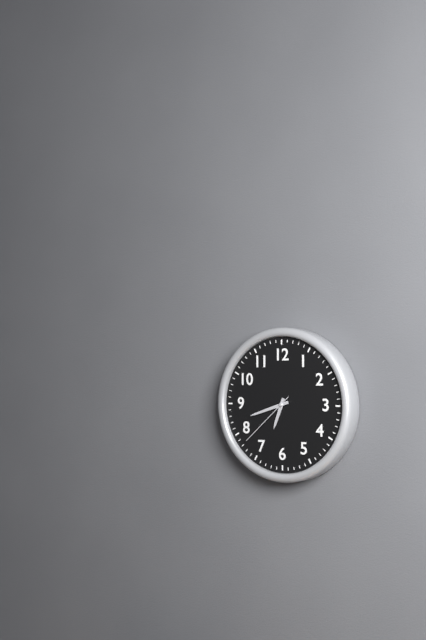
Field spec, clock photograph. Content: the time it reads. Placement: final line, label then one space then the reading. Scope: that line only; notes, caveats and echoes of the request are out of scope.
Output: 6:42:38
